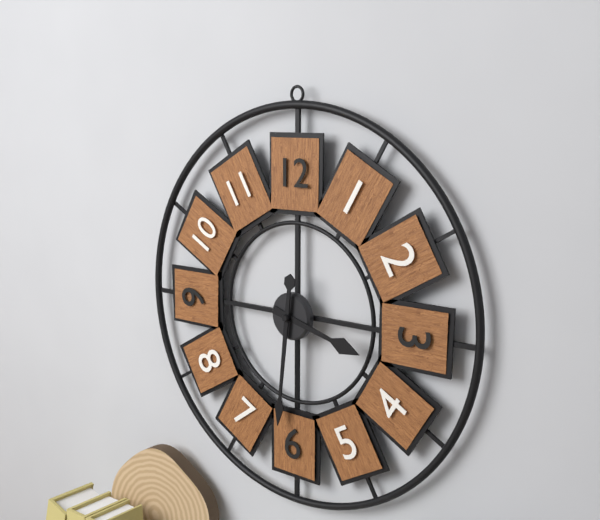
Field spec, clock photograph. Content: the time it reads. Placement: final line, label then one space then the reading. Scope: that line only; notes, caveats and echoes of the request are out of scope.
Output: 3:31
